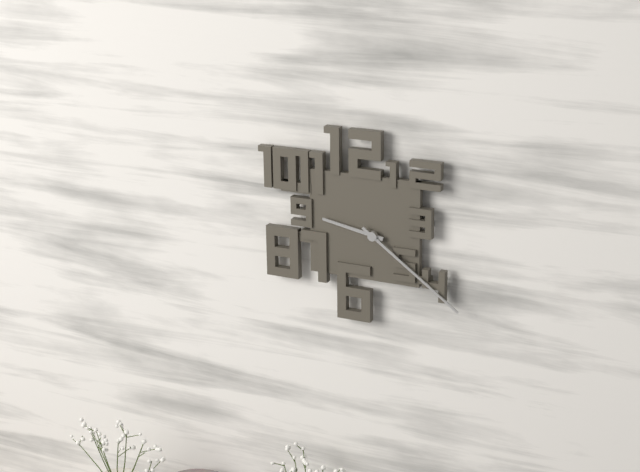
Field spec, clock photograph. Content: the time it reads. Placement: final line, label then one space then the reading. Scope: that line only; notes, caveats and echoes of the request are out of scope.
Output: 9:21
